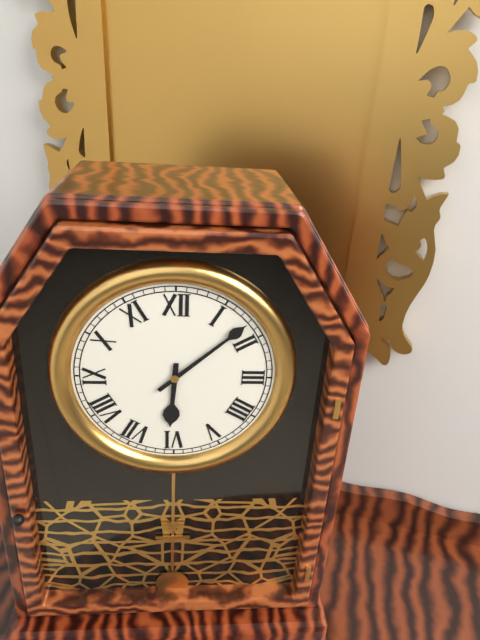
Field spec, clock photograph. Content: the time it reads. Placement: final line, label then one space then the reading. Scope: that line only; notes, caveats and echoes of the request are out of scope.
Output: 6:08
